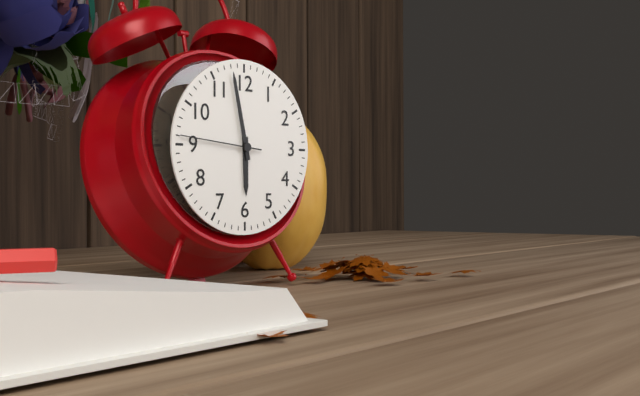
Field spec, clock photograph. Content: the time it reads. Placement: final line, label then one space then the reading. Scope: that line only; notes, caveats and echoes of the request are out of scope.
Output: 5:58:46
